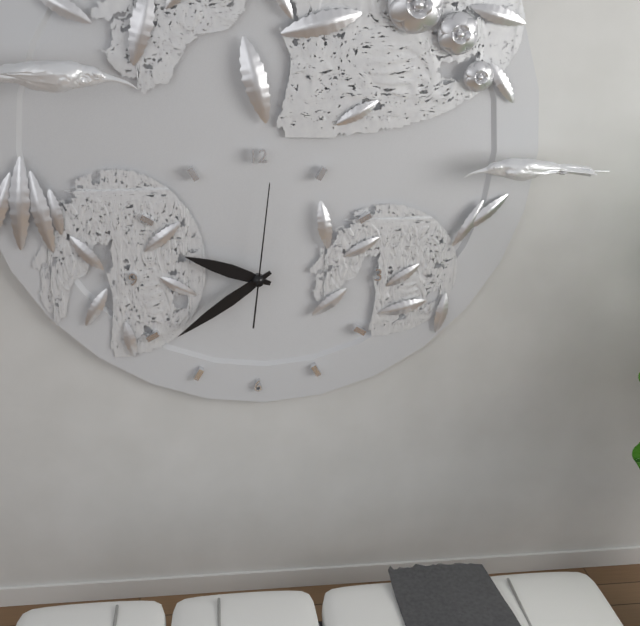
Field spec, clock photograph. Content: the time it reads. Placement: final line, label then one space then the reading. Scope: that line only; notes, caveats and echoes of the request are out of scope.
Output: 9:39:01
